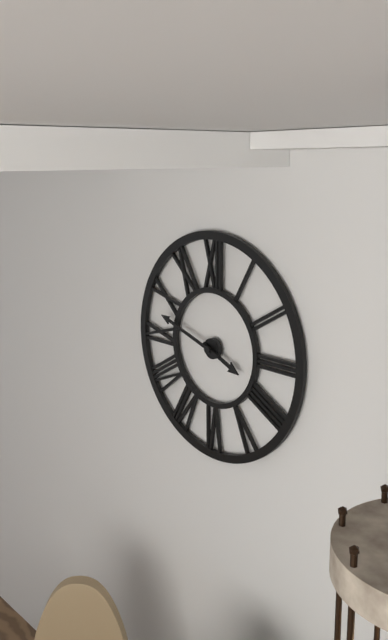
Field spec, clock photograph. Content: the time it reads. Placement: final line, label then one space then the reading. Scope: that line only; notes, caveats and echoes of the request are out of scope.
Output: 3:48
